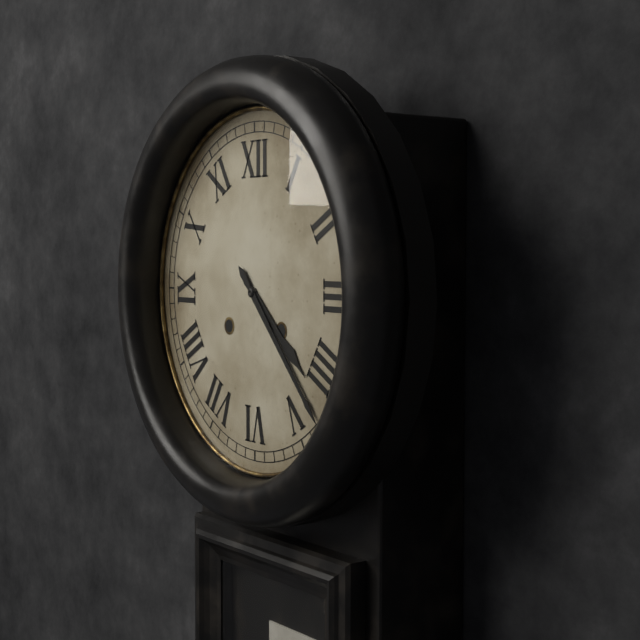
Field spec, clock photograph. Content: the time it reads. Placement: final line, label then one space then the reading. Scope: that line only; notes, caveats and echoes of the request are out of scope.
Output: 4:23
